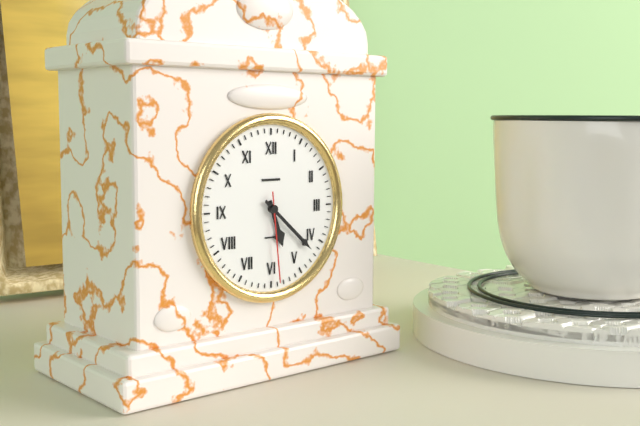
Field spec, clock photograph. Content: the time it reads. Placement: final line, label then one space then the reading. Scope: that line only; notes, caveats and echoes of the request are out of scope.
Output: 5:22:29
